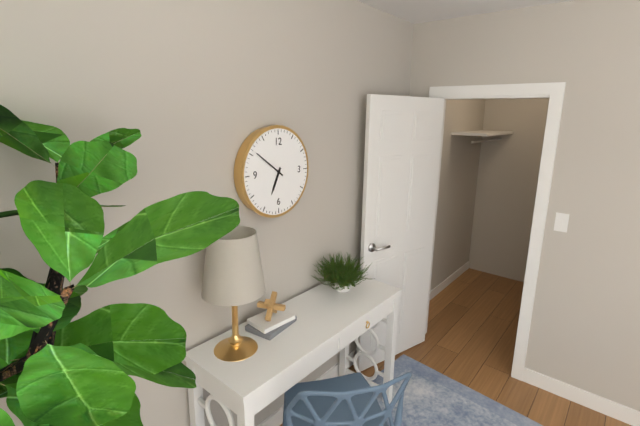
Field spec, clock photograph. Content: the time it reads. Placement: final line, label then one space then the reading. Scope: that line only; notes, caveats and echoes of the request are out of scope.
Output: 6:51
